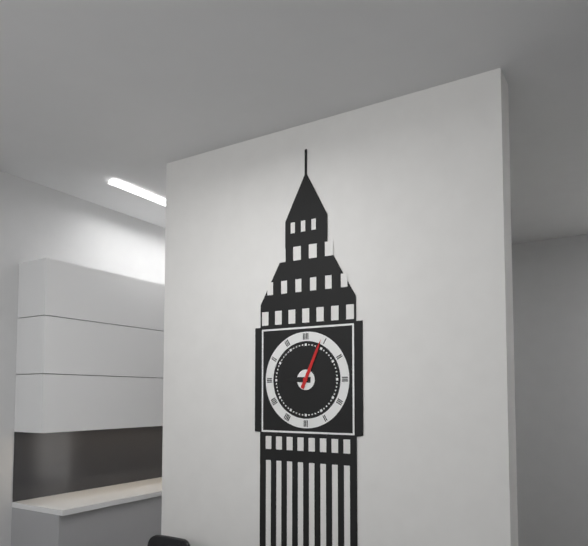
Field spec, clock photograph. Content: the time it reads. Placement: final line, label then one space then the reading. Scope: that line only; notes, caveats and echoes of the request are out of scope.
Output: 9:04
